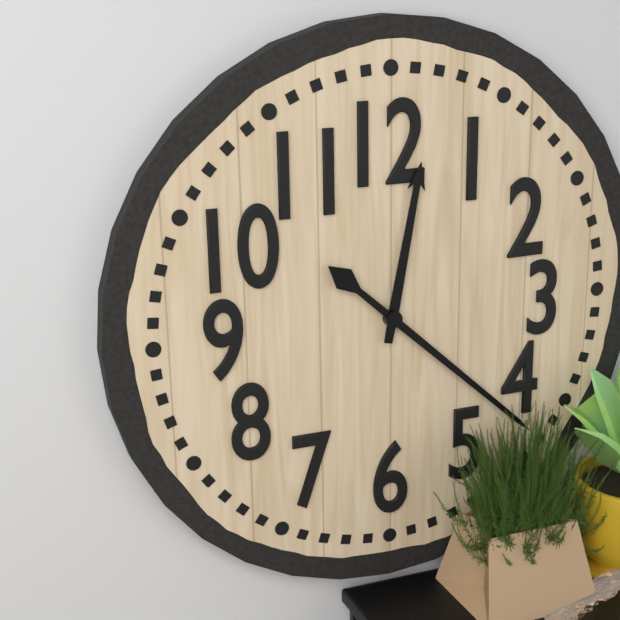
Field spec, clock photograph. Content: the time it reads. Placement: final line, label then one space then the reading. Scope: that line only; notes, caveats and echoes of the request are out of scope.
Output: 12:22
